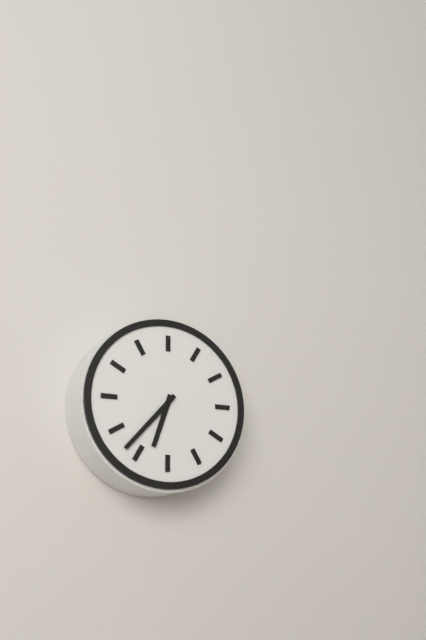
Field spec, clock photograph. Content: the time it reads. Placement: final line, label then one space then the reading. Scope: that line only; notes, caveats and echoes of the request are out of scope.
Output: 6:37
